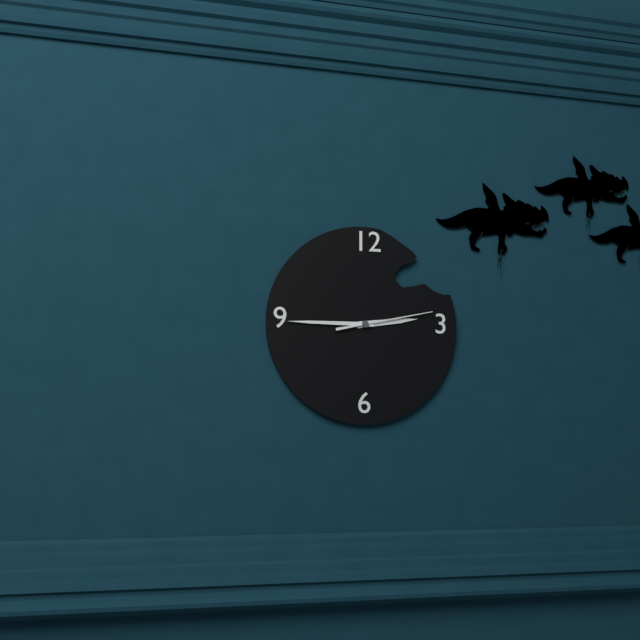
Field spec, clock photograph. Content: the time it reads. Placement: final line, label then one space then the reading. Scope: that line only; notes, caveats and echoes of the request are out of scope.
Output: 2:45:13
